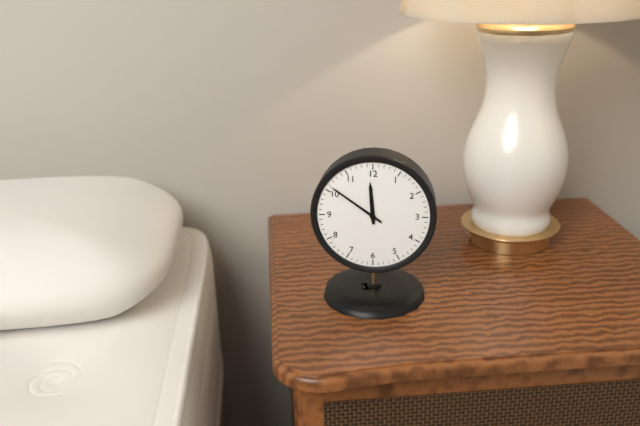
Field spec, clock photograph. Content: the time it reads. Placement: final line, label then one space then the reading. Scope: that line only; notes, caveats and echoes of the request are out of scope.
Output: 11:51
